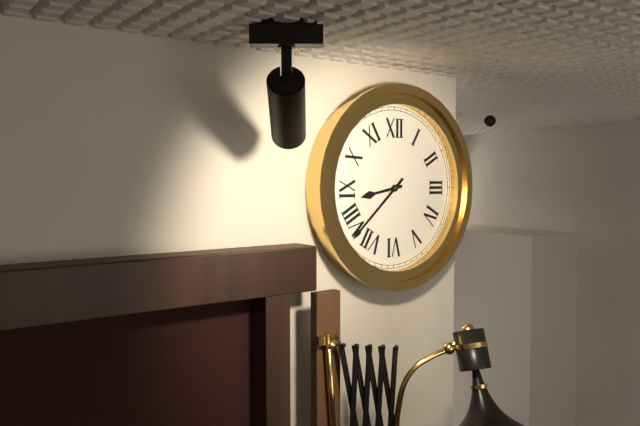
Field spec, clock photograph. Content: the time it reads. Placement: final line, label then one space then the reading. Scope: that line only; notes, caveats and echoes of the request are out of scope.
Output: 8:38
